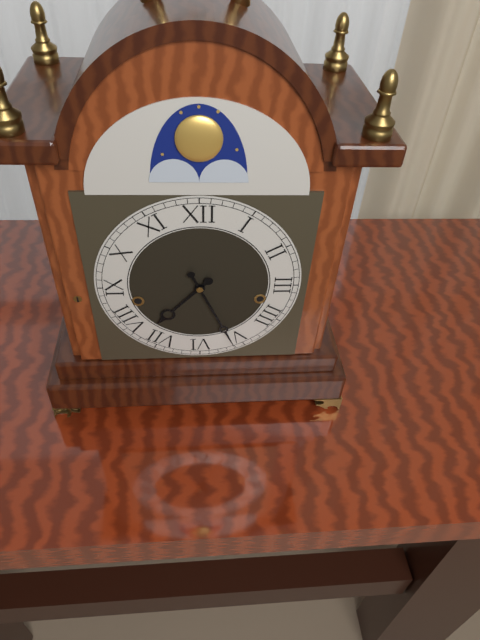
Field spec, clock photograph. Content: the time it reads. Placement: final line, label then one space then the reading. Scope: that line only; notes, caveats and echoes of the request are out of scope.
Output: 7:26
